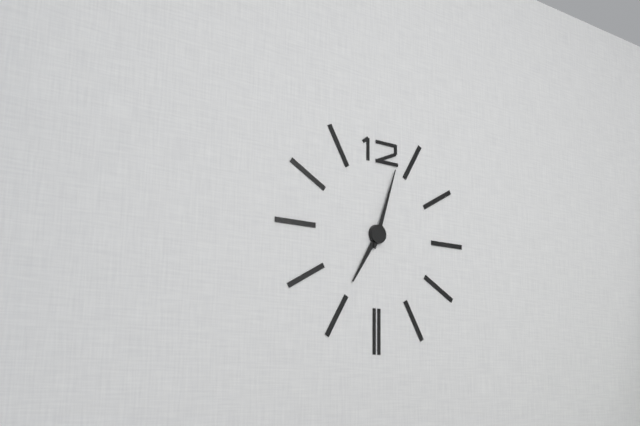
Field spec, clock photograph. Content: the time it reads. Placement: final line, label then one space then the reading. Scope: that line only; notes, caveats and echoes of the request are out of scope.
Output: 7:03
